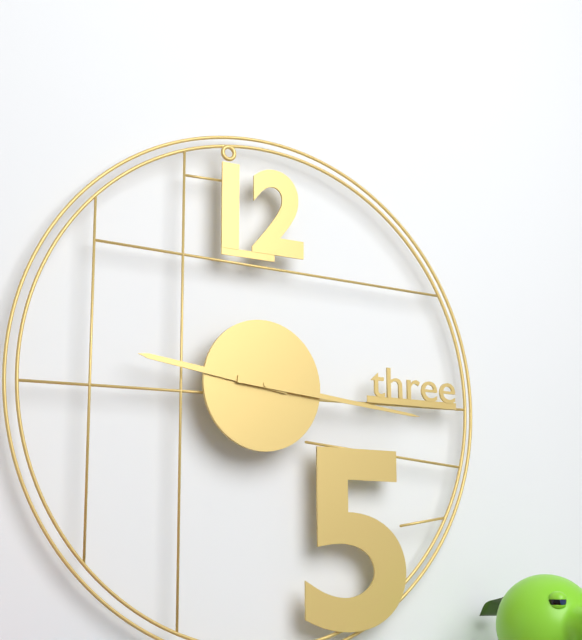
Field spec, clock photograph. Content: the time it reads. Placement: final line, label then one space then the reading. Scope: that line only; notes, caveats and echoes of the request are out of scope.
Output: 9:16
